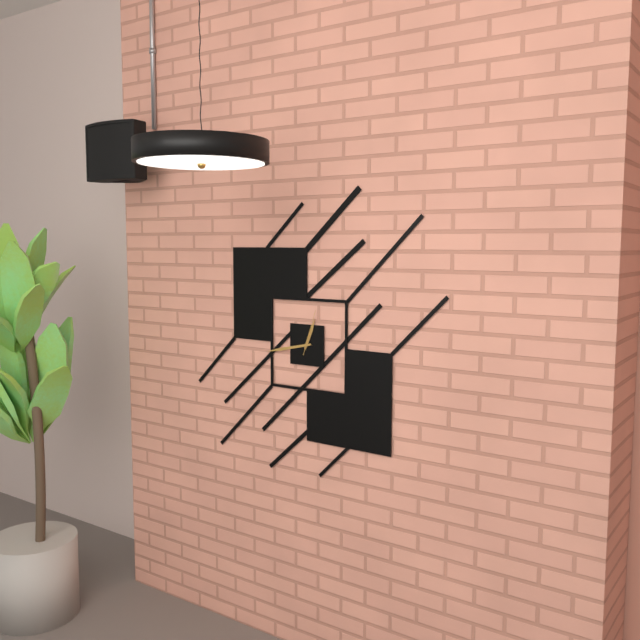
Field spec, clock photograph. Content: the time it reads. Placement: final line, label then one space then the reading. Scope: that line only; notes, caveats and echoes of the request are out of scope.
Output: 12:43
